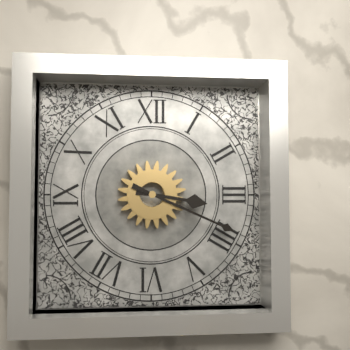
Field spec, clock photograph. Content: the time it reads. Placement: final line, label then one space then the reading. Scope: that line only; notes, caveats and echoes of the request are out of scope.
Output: 3:19
